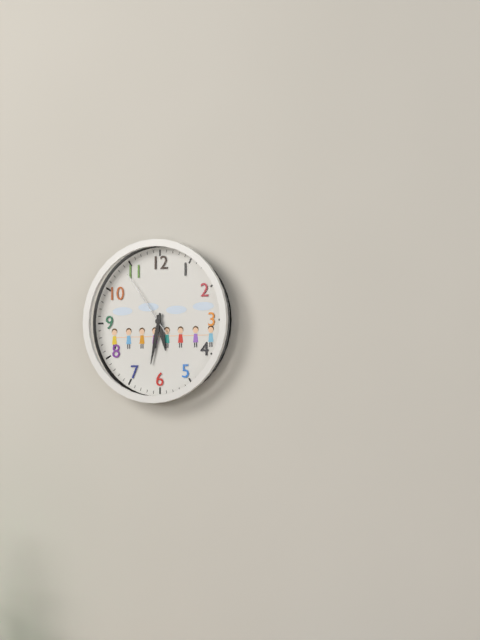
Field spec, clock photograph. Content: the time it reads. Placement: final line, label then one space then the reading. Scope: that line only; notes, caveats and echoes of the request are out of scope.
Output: 5:32:54
